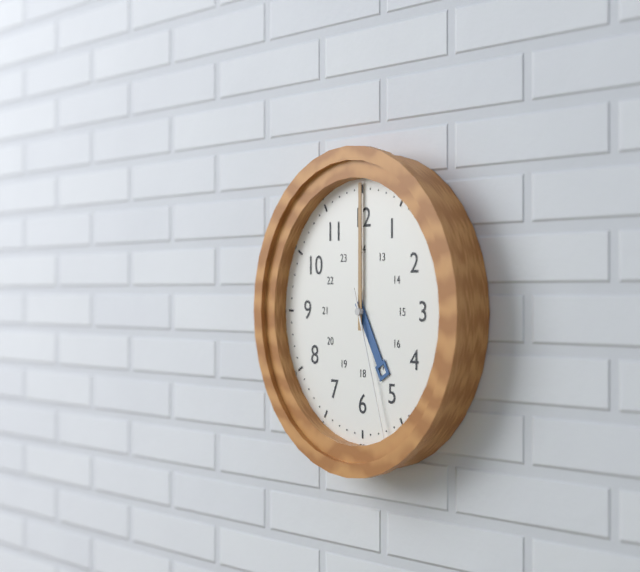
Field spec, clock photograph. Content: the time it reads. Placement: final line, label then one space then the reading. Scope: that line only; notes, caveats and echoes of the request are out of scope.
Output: 5:00:27
